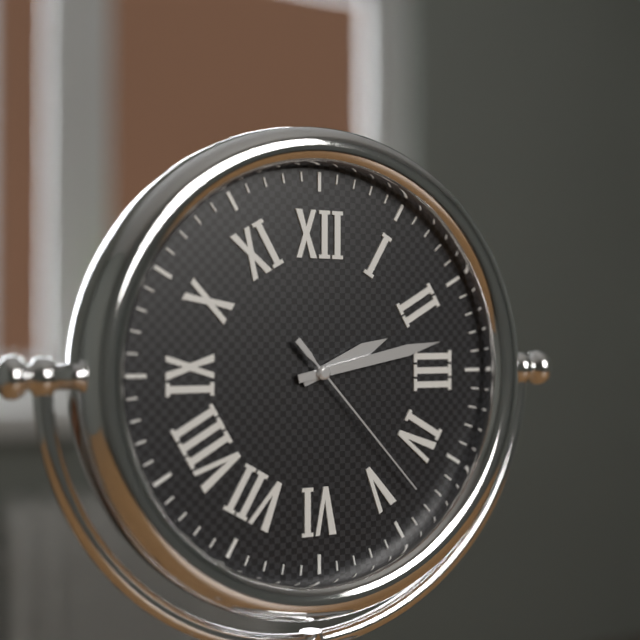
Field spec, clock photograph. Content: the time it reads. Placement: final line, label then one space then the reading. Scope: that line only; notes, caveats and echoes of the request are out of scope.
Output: 2:13:23
